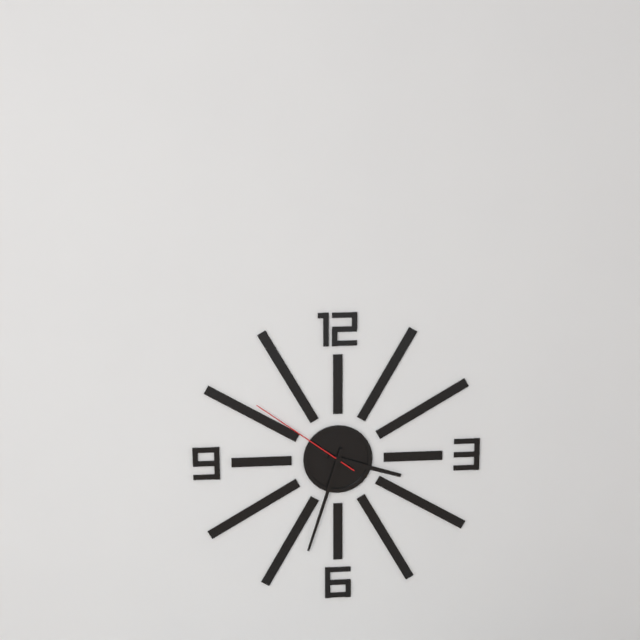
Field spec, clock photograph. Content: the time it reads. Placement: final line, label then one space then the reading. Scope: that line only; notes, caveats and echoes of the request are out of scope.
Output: 3:33:51
